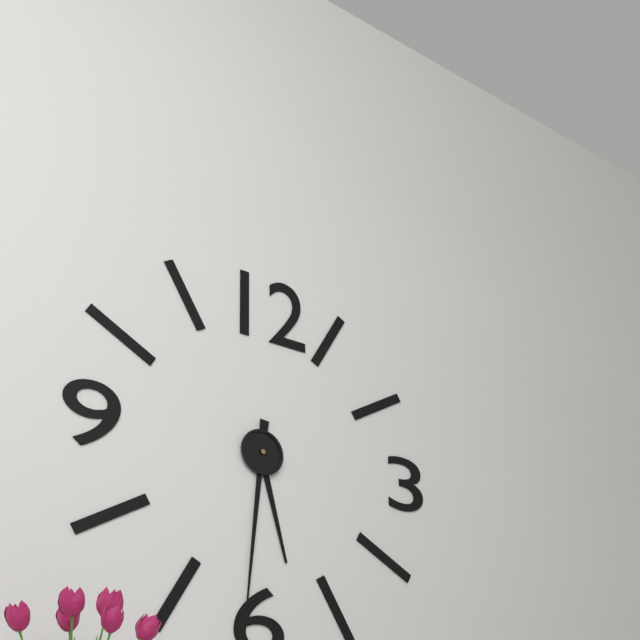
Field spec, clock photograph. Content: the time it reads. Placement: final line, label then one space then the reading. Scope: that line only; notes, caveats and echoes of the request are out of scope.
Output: 5:31
